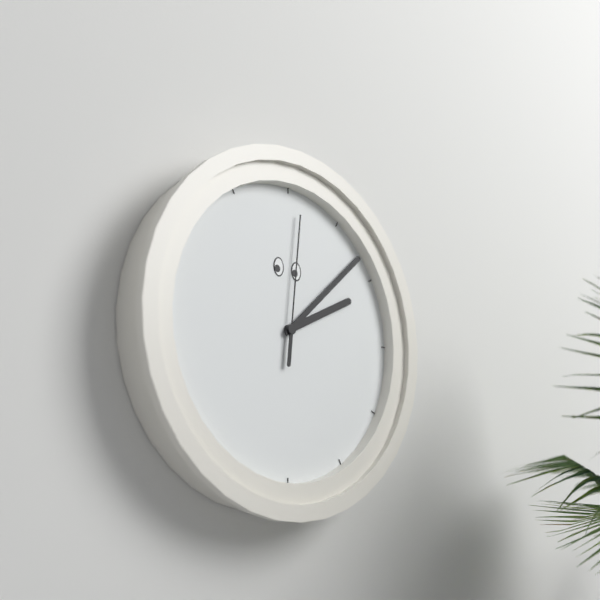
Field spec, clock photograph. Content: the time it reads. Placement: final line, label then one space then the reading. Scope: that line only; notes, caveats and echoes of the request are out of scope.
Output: 2:08:01
